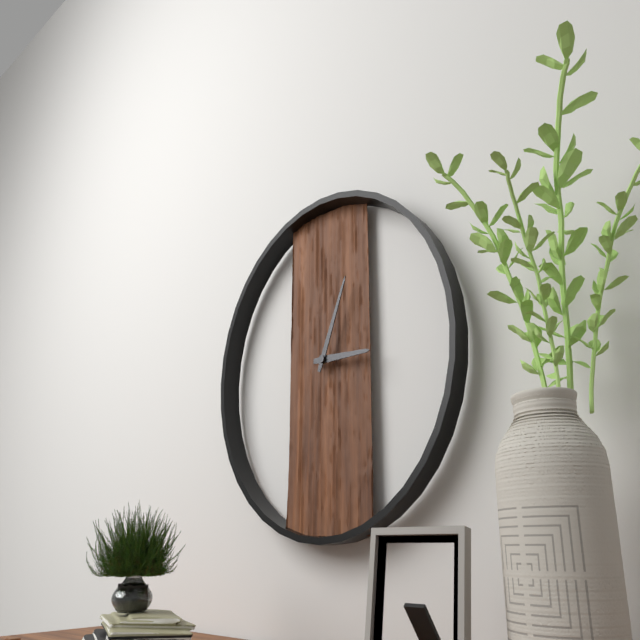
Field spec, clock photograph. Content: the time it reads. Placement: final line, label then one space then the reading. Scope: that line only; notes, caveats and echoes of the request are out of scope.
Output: 3:04
